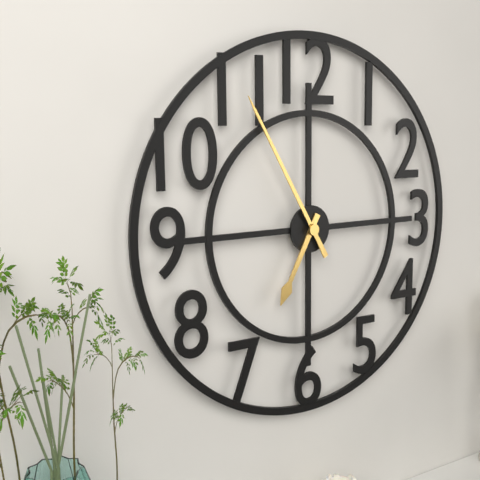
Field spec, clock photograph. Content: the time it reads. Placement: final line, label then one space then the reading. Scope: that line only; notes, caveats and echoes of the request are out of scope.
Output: 6:55
